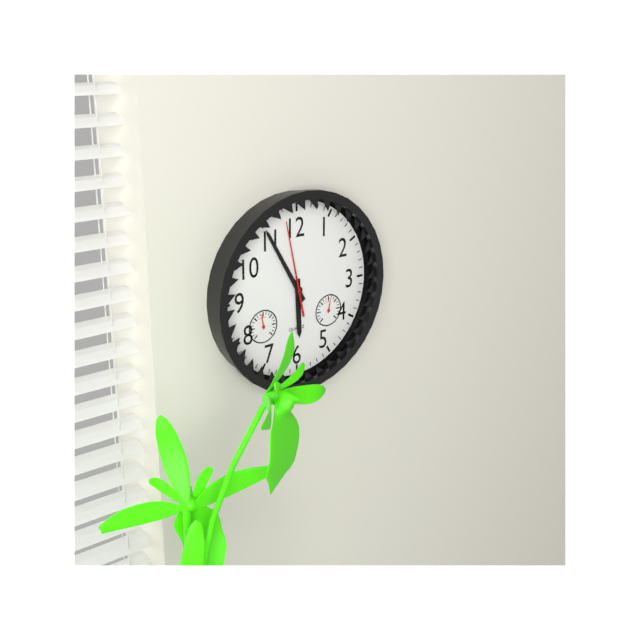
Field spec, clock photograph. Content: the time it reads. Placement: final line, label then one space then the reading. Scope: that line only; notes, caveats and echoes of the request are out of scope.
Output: 5:55:58
